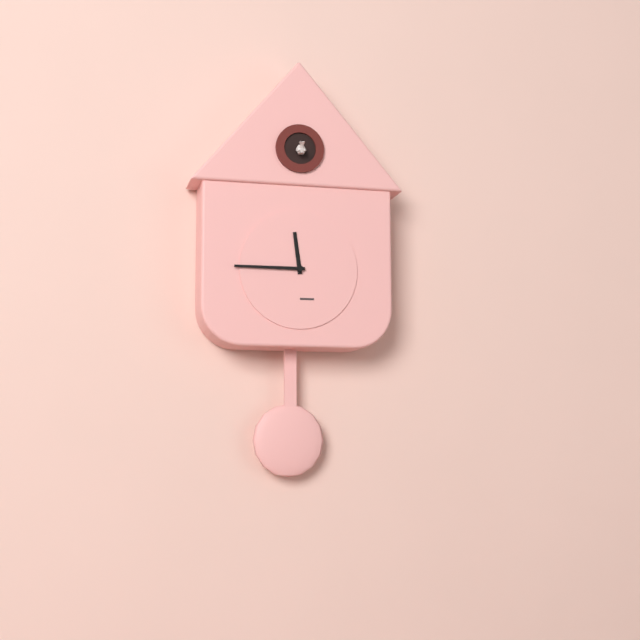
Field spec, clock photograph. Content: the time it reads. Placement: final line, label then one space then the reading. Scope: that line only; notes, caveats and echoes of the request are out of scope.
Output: 11:45
